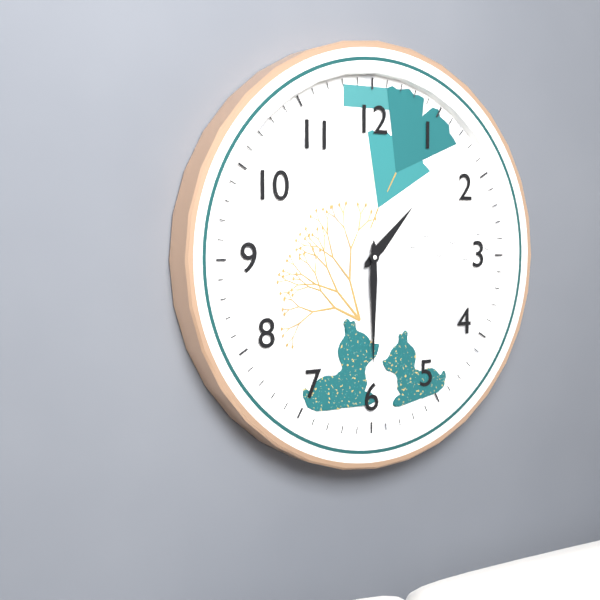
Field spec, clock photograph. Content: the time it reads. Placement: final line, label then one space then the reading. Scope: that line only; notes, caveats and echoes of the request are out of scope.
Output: 1:30
